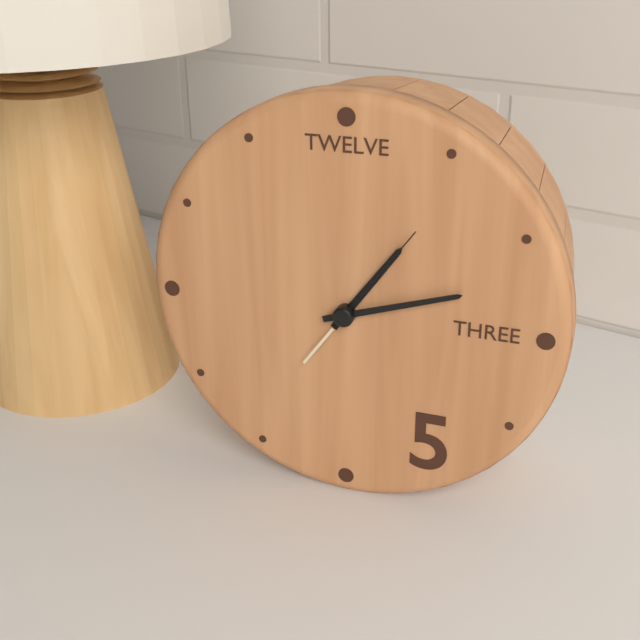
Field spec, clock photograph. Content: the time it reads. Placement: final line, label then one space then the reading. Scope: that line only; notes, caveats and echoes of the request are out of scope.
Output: 1:12:06
